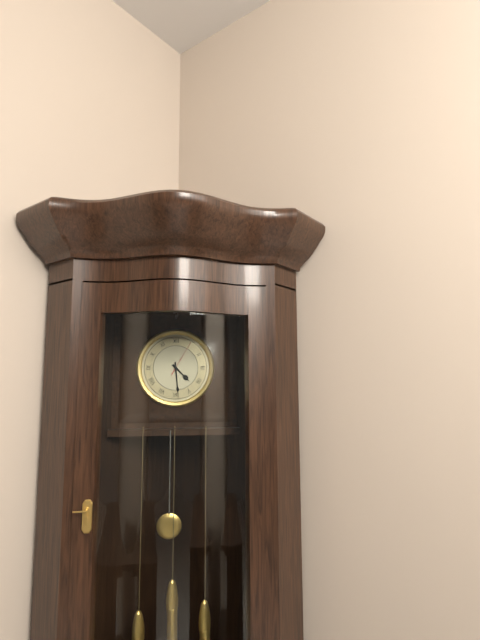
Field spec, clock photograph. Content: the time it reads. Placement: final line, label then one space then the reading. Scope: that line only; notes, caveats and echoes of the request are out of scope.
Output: 4:29
